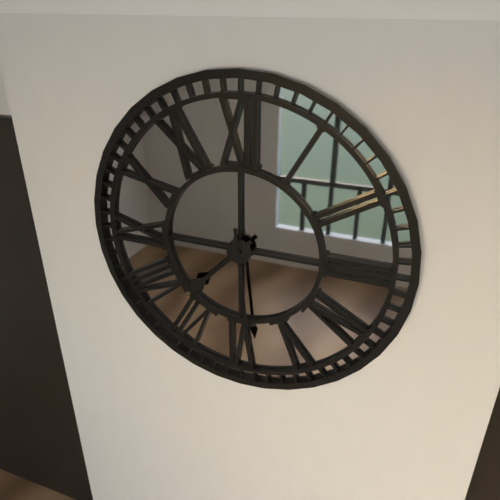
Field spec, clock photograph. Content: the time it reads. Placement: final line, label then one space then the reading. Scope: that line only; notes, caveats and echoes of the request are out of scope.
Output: 7:29
